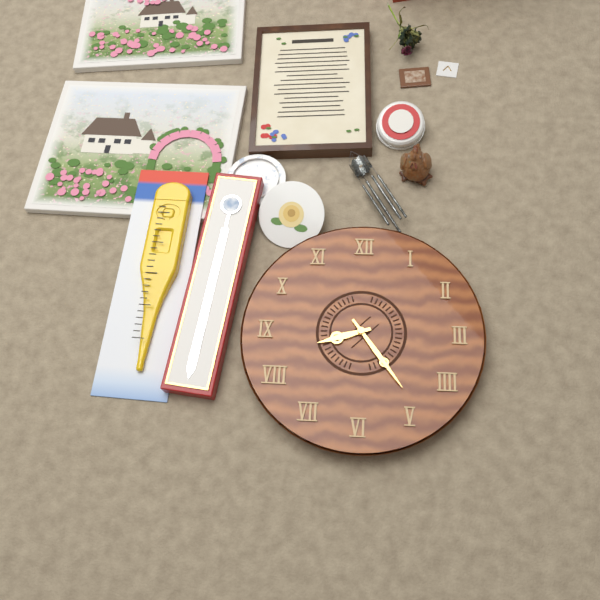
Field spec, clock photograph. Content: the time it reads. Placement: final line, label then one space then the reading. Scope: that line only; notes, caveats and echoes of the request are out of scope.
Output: 8:24
